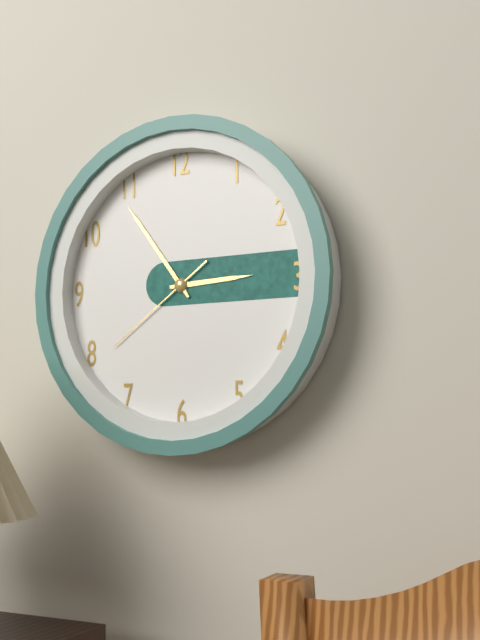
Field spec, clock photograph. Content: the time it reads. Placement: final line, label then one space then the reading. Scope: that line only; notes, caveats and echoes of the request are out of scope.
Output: 2:54:39
